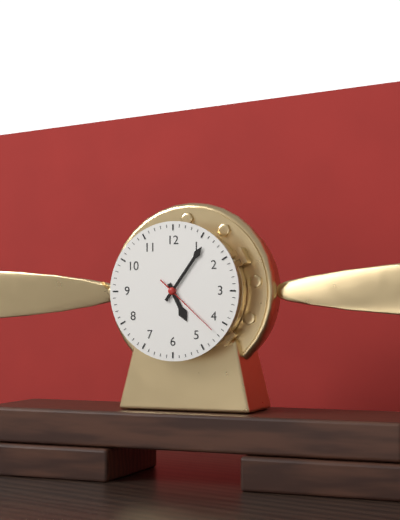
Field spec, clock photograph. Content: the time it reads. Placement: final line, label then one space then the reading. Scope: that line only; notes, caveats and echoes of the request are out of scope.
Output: 5:06:22
